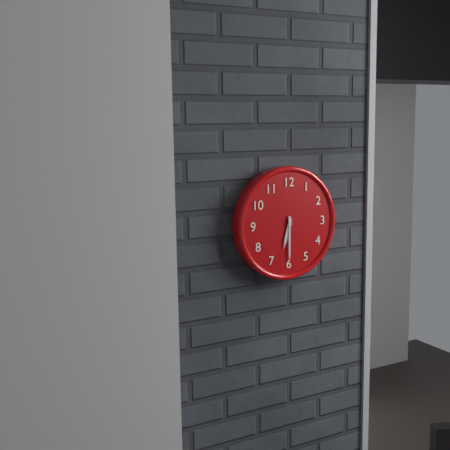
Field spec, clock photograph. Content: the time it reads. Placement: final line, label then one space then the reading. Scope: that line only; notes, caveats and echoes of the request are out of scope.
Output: 6:30
